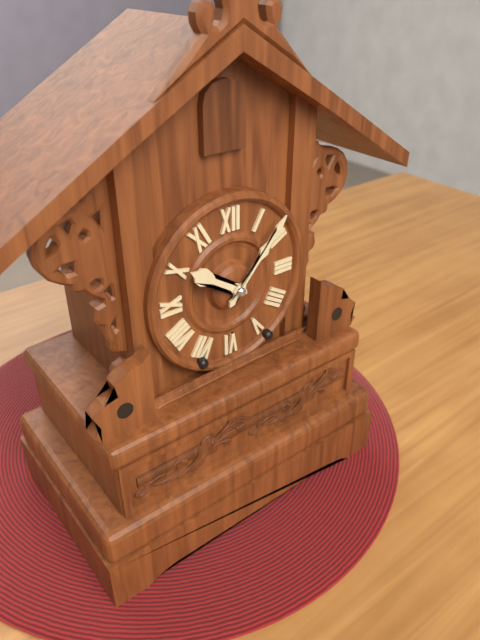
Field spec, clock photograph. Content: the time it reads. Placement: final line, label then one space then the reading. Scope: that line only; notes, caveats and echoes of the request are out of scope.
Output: 10:07
